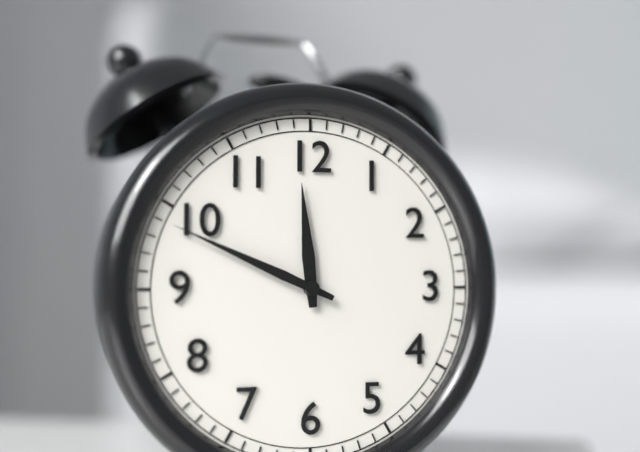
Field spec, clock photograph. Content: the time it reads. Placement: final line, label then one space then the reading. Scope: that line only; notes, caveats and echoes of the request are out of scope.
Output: 11:49
